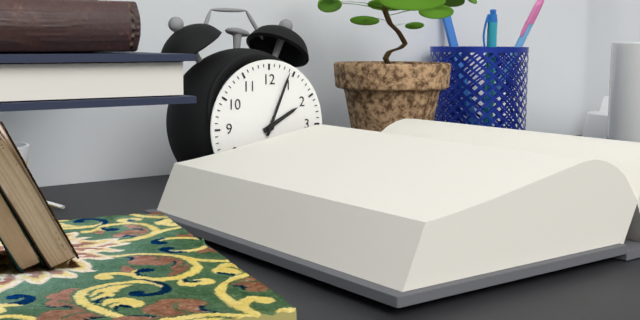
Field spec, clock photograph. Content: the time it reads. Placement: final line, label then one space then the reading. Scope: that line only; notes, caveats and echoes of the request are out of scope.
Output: 2:04
